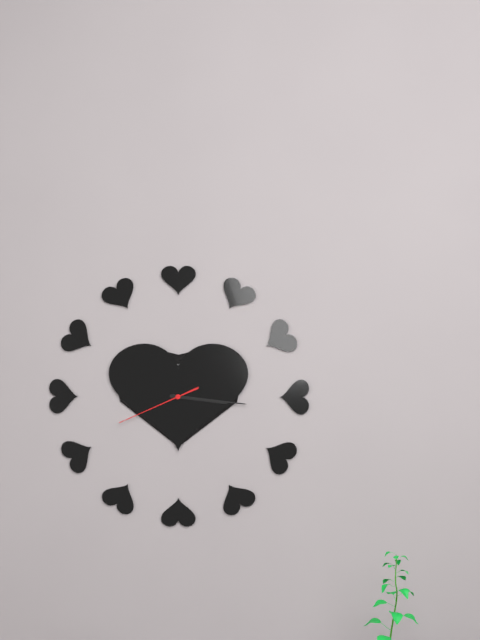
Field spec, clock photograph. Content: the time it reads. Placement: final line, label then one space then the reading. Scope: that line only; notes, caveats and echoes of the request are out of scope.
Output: 3:16:41
